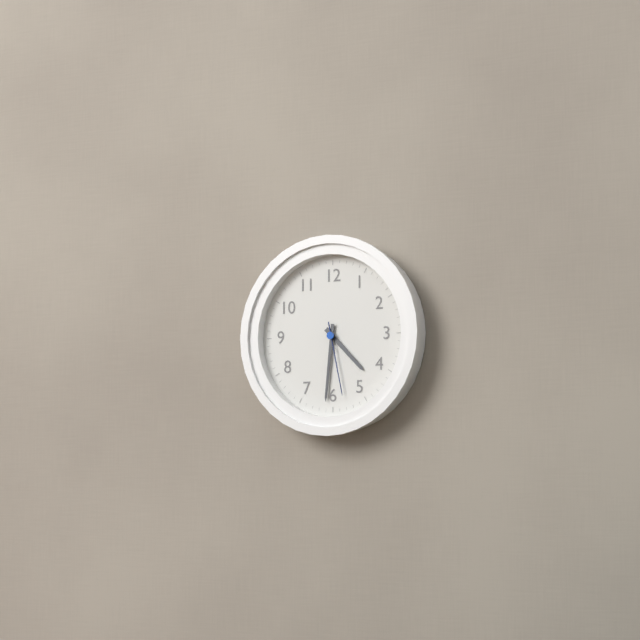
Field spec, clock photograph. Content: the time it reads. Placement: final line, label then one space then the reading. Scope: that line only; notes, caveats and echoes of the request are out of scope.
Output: 4:31:28
